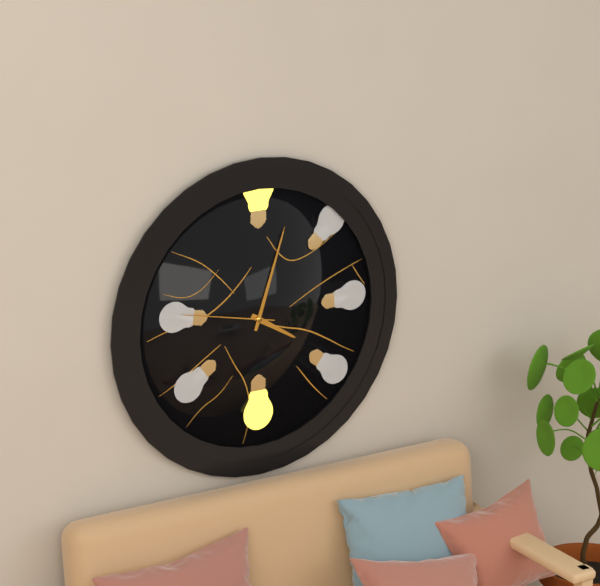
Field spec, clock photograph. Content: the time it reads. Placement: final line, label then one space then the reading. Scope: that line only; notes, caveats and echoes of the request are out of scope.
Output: 4:03:47
